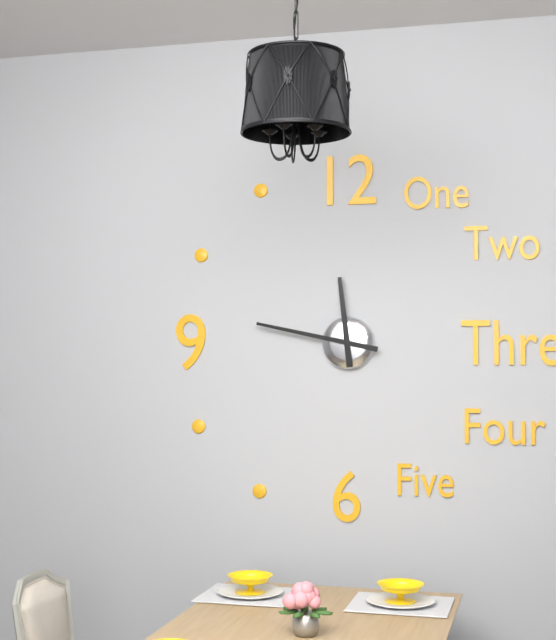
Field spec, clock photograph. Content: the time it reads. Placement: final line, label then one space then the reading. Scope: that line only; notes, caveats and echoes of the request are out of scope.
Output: 11:47
